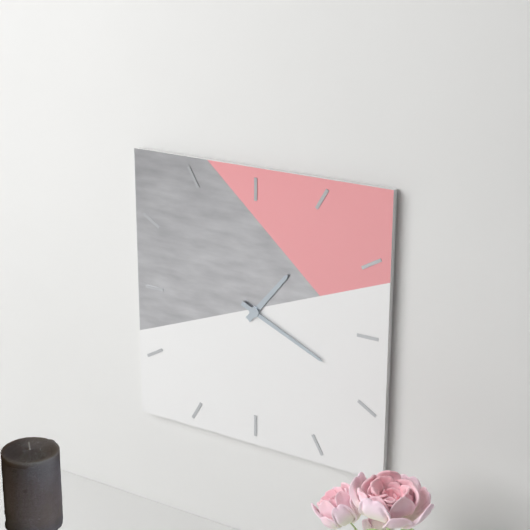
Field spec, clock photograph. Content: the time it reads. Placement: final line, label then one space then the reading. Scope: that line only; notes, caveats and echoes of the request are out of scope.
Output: 1:19
